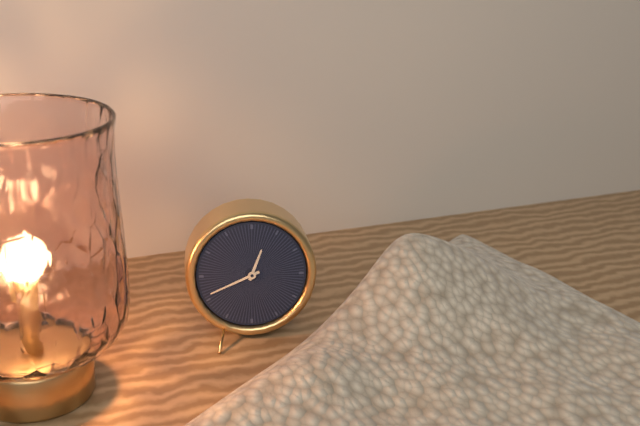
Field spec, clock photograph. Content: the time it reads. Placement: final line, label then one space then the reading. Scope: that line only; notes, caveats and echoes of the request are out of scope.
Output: 12:41
